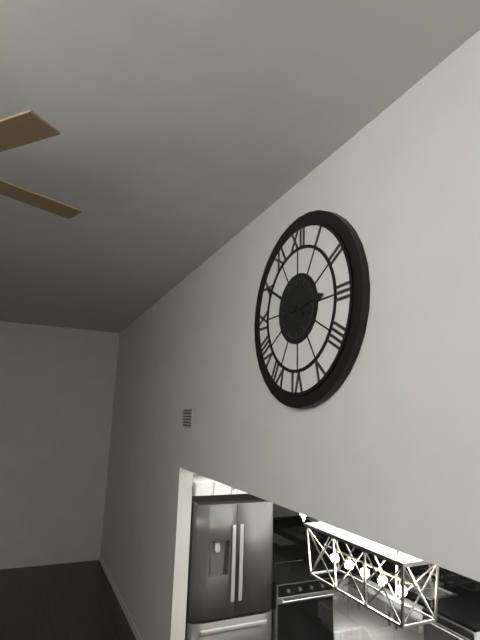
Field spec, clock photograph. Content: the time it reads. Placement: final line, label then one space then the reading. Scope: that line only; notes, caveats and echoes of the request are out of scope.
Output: 2:50
